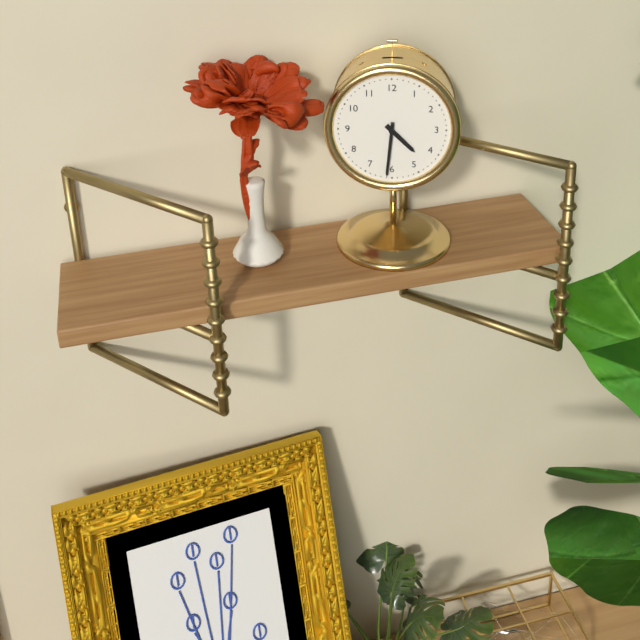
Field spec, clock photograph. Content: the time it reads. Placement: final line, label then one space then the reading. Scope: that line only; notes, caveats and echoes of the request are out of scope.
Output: 4:31
